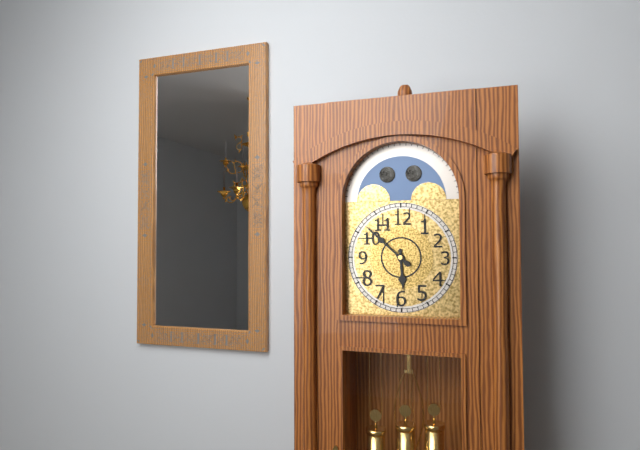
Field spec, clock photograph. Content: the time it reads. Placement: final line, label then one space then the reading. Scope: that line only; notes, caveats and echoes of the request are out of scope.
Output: 5:52
